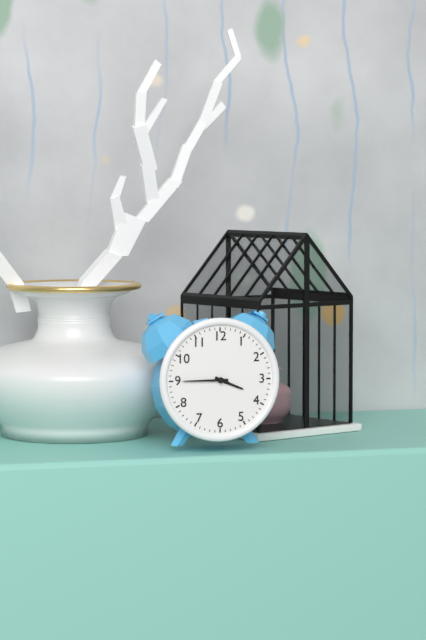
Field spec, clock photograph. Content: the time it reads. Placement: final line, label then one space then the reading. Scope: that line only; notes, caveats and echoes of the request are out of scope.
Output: 3:45
